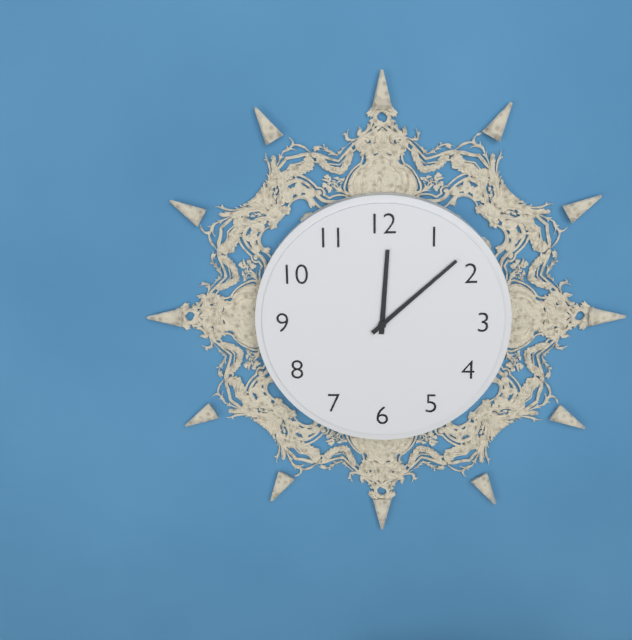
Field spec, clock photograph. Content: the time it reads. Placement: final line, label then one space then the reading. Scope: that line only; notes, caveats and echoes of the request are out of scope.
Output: 12:08
